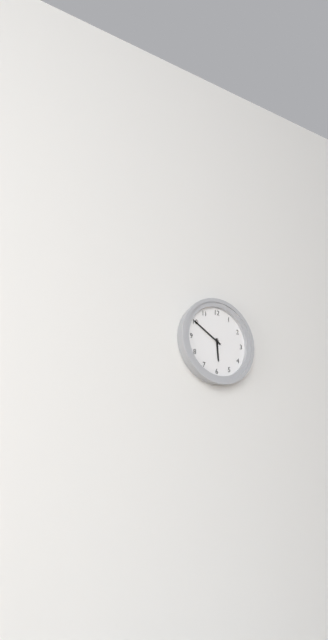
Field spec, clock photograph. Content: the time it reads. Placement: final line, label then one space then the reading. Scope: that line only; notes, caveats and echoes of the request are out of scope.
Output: 5:50
